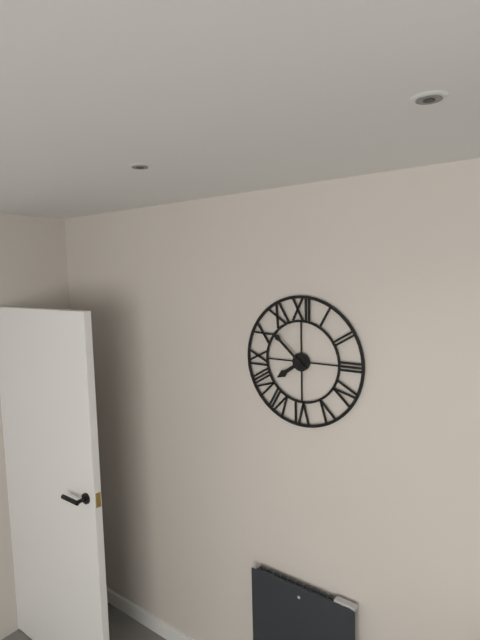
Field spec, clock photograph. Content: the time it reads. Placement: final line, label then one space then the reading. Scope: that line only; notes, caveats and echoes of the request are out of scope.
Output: 7:52
